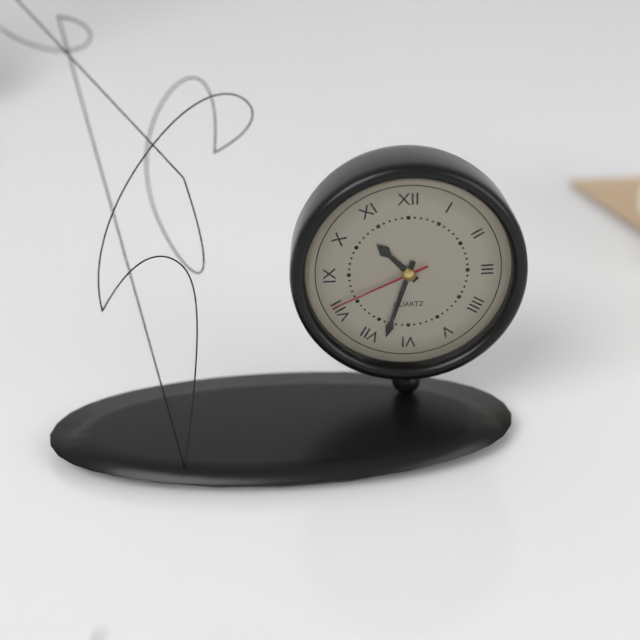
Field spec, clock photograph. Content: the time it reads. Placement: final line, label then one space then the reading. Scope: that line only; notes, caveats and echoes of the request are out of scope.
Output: 10:33:41
